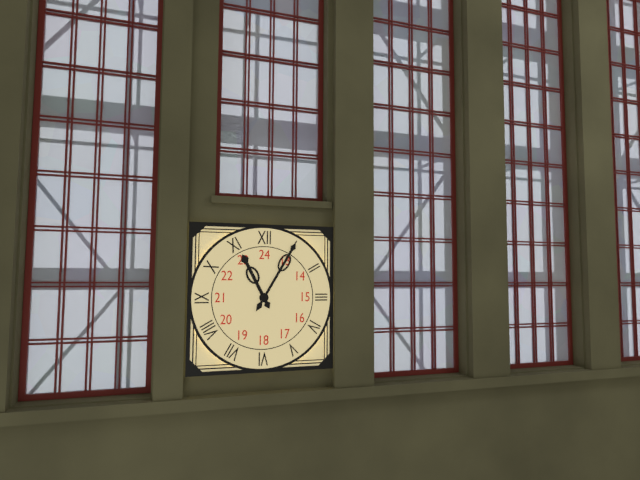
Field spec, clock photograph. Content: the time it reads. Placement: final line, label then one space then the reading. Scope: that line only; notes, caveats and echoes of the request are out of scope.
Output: 11:05
